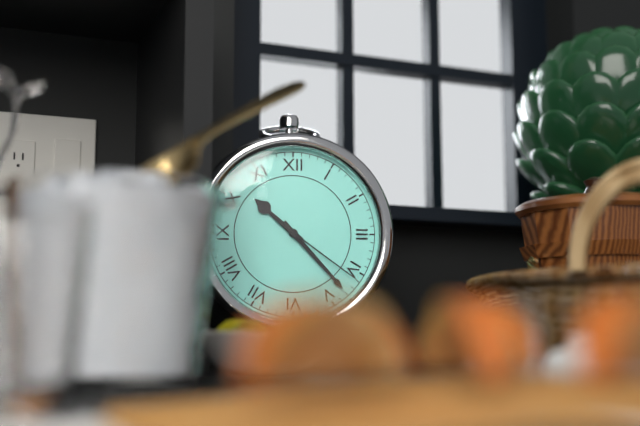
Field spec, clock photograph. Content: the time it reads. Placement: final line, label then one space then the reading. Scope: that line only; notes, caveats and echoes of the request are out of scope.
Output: 10:23:21
